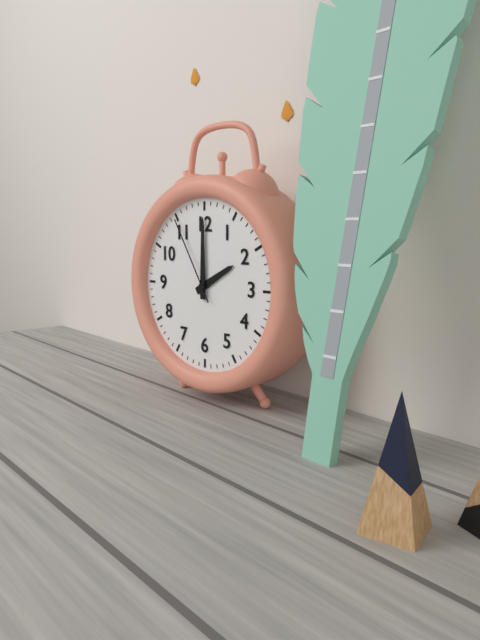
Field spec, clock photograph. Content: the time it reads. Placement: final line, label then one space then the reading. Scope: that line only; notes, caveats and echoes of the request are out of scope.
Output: 2:00:55
